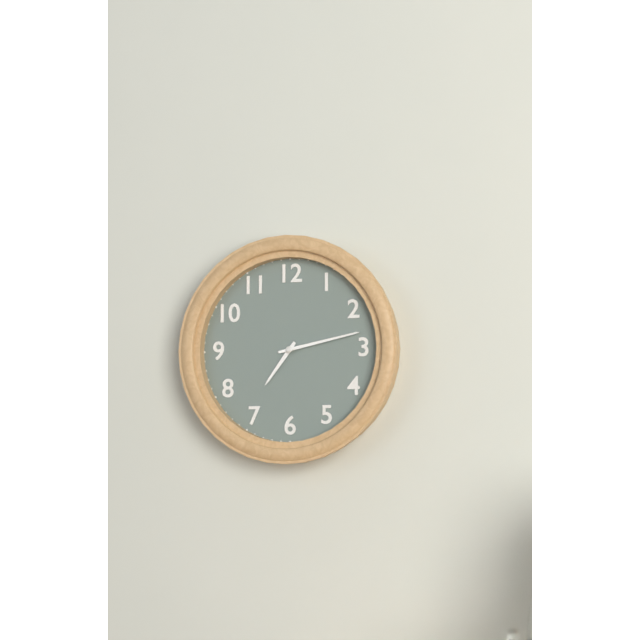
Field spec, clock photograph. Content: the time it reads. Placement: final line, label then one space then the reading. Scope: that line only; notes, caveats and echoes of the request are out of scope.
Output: 7:13
